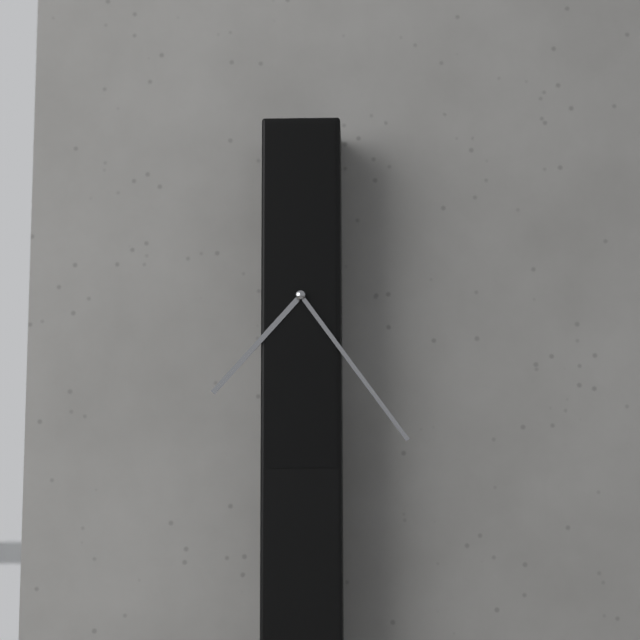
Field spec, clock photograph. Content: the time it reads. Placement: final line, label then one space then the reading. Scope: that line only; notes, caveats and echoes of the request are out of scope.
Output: 7:24
